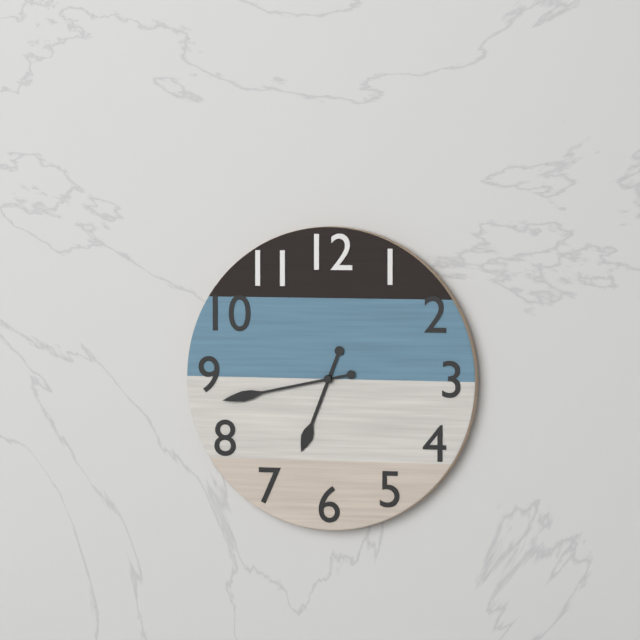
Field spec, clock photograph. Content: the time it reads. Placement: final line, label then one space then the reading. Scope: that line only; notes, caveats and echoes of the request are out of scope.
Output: 6:43
